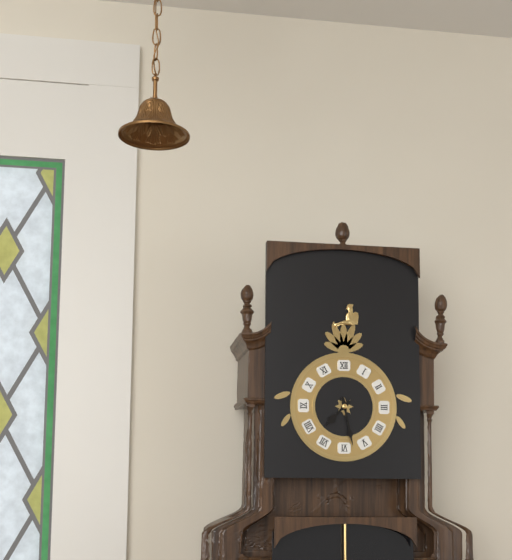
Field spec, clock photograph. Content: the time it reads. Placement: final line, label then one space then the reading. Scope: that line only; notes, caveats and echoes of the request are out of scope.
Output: 7:28
